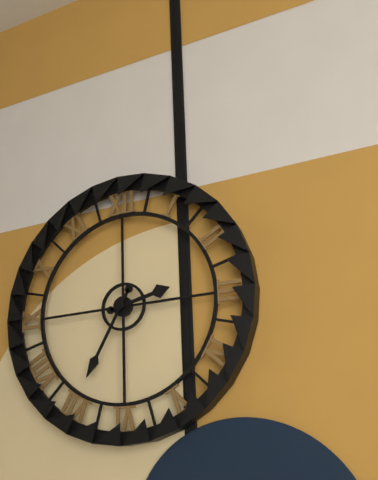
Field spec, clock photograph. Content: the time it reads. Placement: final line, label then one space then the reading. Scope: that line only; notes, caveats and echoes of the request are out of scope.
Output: 2:35
